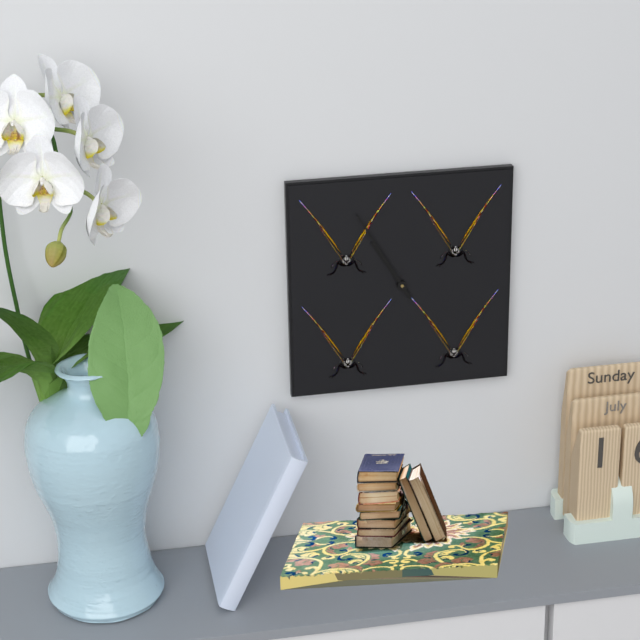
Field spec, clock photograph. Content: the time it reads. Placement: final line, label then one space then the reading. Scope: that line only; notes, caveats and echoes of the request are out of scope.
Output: 10:55
